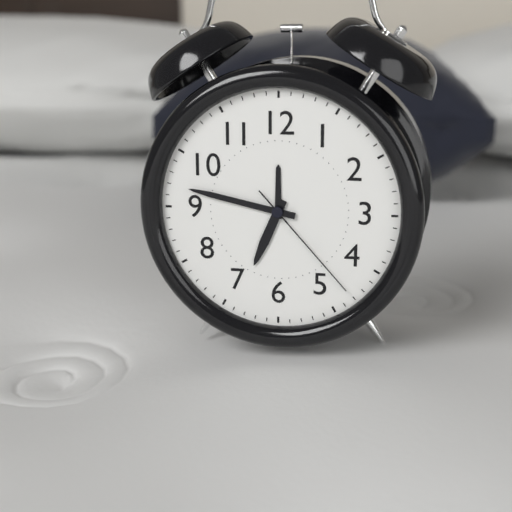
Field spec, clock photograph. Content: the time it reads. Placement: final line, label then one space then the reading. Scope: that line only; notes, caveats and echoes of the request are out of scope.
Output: 6:47:23
